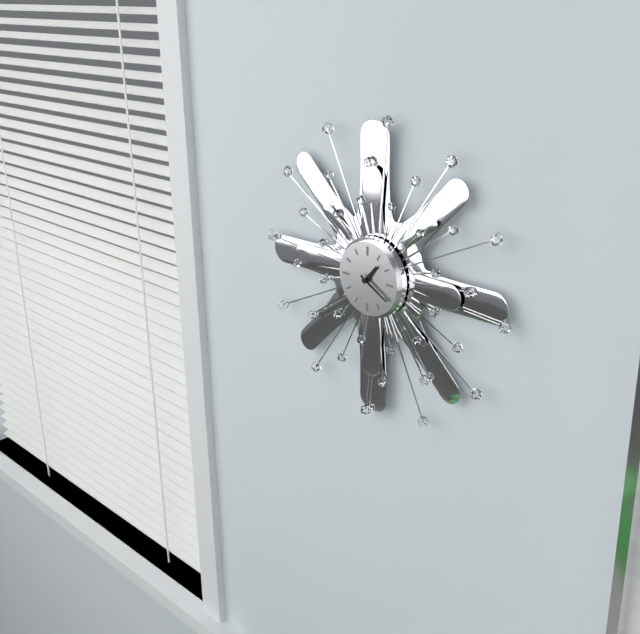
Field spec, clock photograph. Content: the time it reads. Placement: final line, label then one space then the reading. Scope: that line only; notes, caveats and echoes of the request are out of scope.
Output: 1:20
